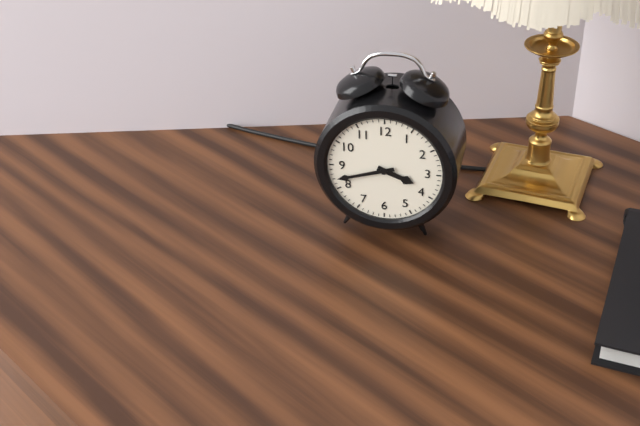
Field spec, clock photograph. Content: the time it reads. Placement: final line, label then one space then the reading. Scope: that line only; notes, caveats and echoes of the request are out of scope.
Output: 3:42
